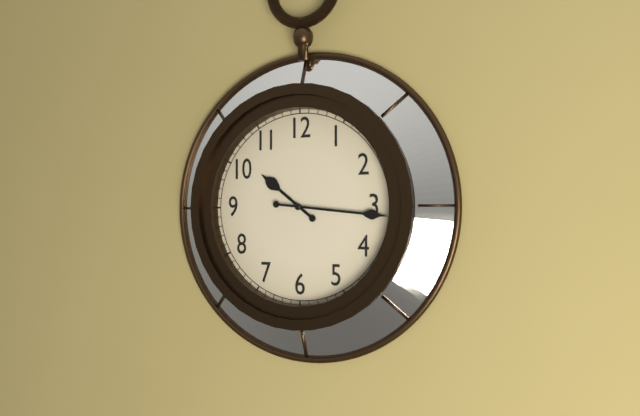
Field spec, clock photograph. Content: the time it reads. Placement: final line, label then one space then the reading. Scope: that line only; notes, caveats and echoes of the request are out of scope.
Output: 10:16
